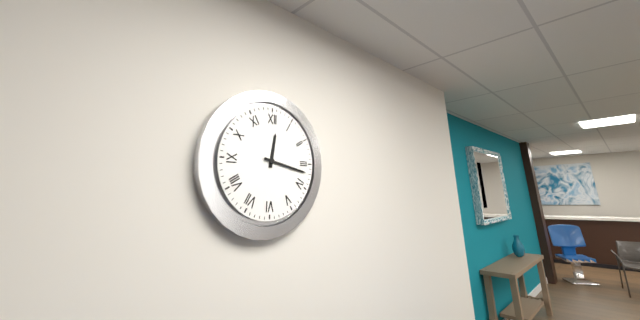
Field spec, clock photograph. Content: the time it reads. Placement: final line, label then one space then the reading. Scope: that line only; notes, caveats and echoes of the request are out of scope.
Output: 12:17
